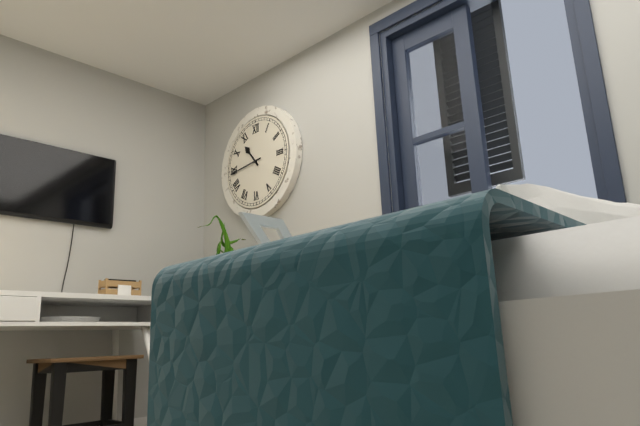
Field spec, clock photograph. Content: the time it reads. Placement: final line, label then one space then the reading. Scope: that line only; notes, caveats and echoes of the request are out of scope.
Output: 10:44
